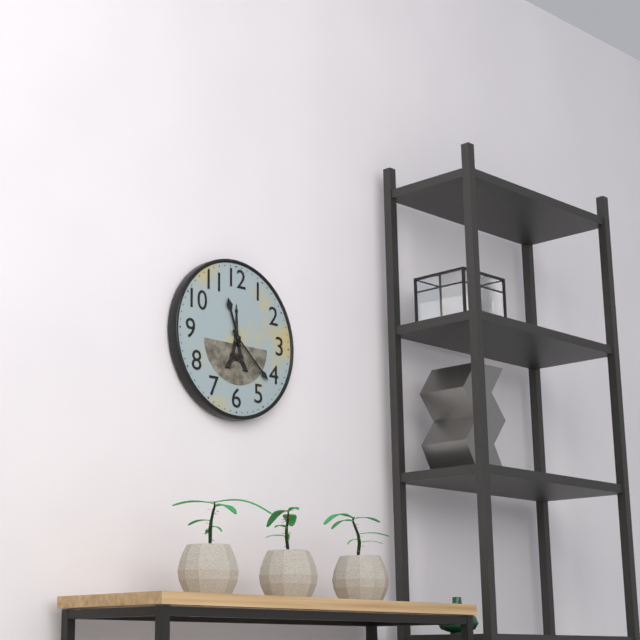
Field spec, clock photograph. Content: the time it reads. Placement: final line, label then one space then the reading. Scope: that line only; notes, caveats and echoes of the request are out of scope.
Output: 11:22
